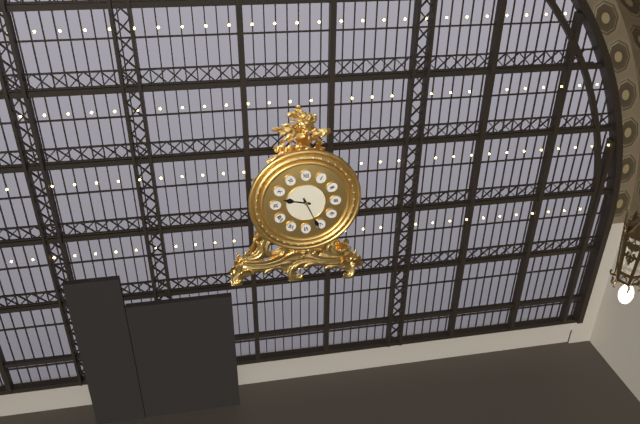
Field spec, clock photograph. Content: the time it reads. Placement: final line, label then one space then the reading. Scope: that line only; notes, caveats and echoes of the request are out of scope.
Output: 9:26
